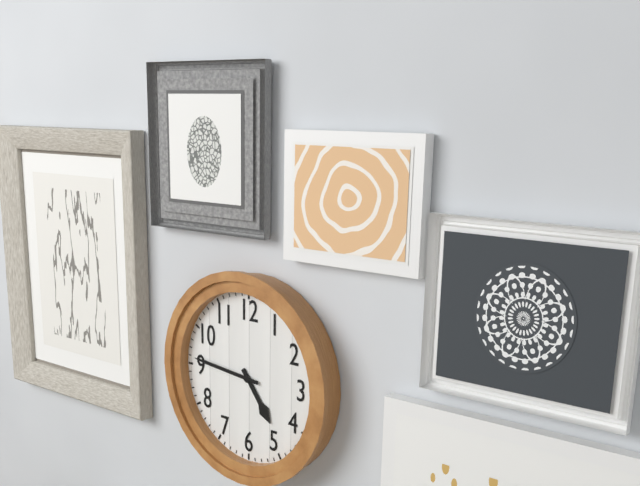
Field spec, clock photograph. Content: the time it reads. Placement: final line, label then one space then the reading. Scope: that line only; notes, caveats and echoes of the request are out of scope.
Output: 4:46
